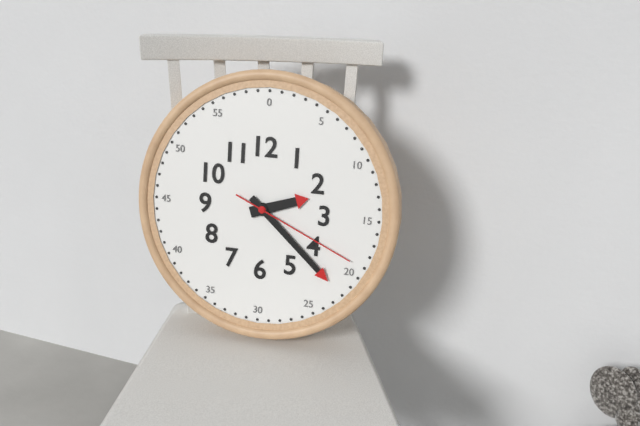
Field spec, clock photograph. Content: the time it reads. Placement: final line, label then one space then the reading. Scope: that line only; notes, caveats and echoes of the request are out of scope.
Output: 2:22:19
